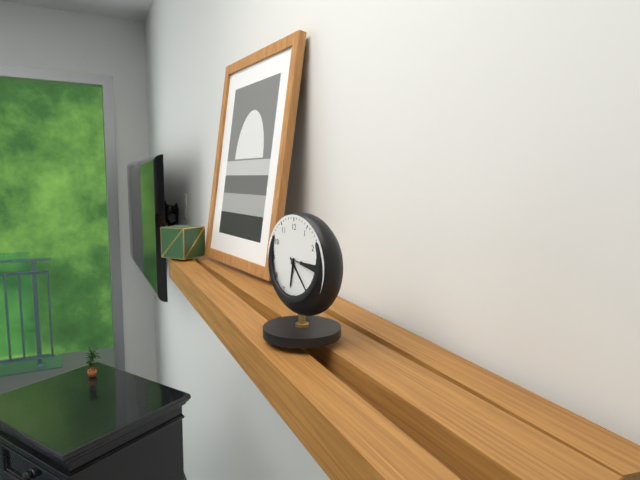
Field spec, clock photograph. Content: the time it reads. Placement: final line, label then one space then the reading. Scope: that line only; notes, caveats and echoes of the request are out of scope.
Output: 6:23
